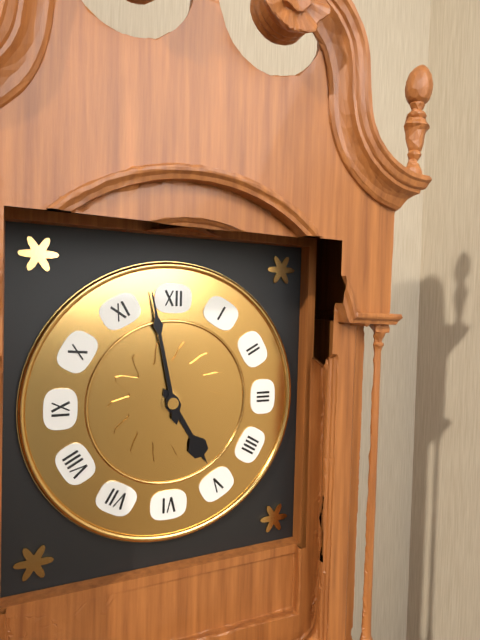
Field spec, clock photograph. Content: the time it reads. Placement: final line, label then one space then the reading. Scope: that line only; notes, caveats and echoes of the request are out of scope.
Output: 4:58
